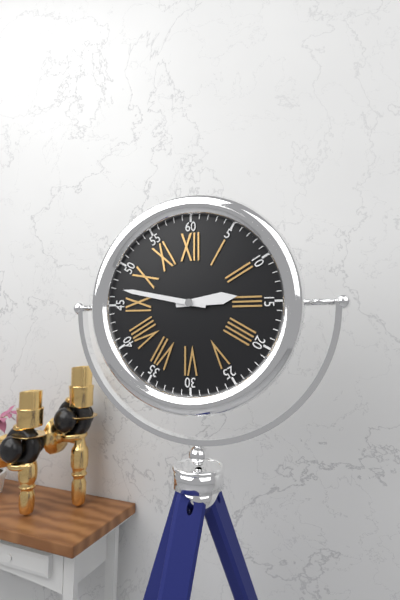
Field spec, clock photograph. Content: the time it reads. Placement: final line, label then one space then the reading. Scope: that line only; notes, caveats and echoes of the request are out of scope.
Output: 2:47
